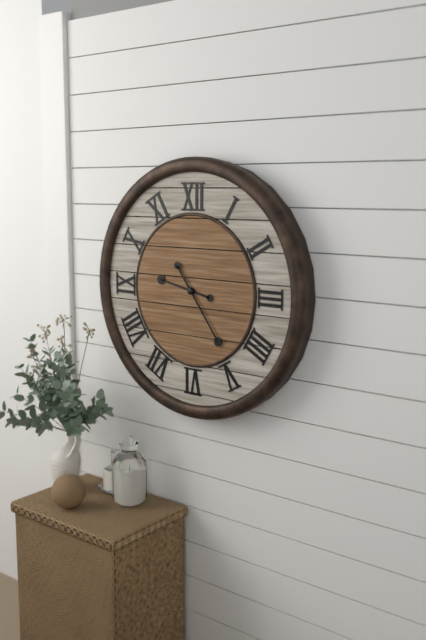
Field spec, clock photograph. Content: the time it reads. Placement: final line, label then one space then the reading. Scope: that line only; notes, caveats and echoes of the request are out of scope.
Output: 9:24
